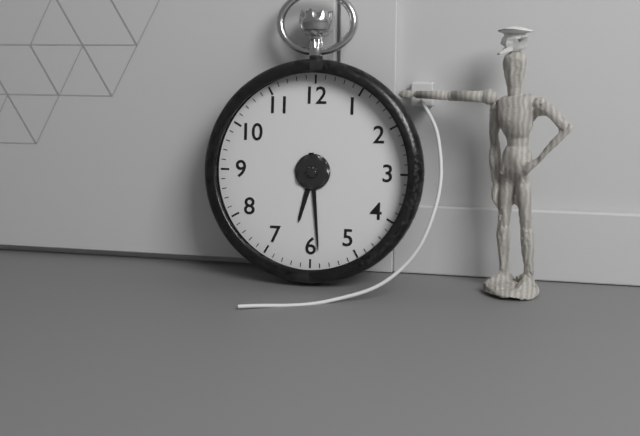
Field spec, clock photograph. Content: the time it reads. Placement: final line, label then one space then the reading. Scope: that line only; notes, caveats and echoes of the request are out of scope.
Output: 6:29
